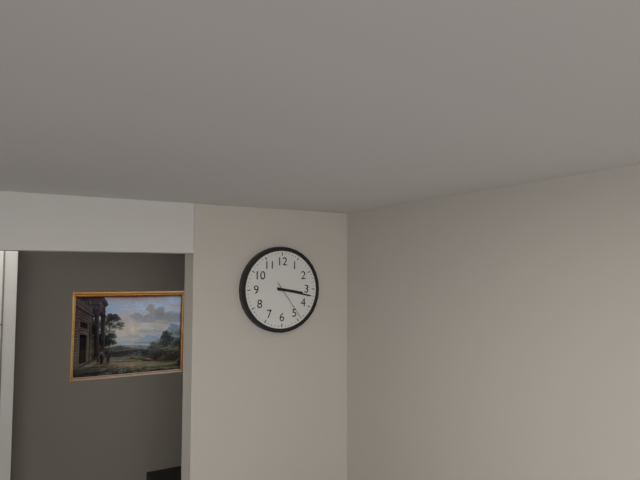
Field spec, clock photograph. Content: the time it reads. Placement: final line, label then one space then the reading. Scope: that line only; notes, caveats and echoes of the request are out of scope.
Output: 3:17
